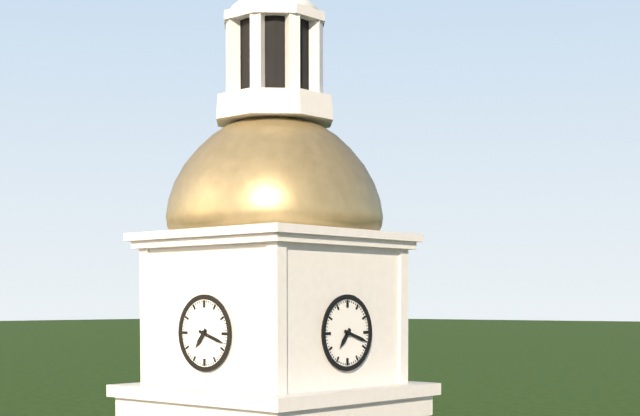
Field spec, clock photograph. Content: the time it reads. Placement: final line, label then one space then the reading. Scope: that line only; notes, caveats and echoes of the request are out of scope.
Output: 7:18
